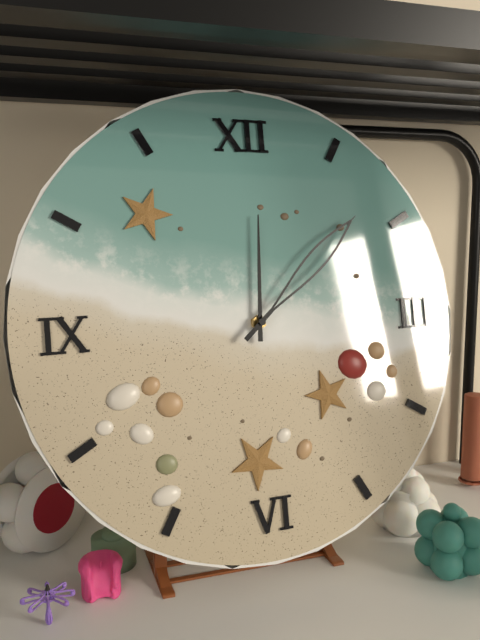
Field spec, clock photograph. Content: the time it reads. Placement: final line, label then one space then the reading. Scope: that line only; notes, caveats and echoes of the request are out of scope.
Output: 12:08
